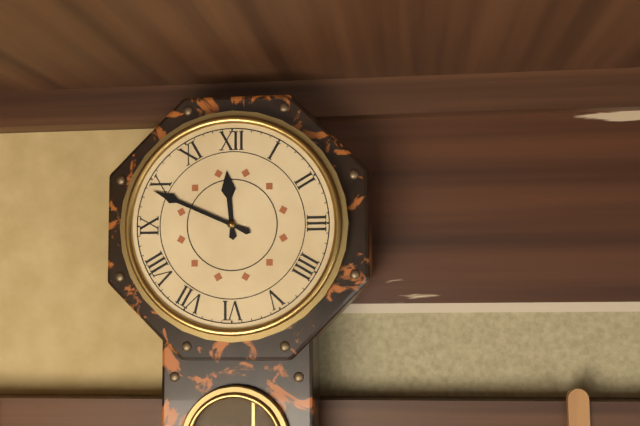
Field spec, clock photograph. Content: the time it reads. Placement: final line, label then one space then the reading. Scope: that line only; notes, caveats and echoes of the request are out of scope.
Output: 11:49
